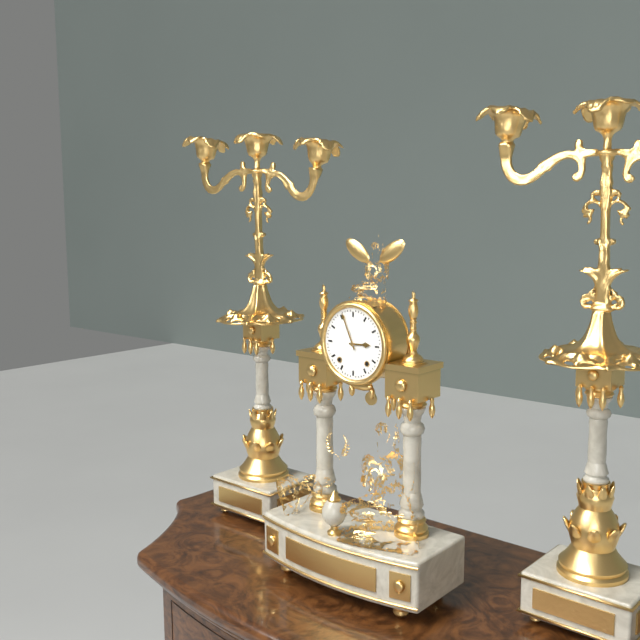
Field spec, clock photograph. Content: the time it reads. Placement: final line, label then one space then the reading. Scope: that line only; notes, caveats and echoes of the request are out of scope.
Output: 2:56
